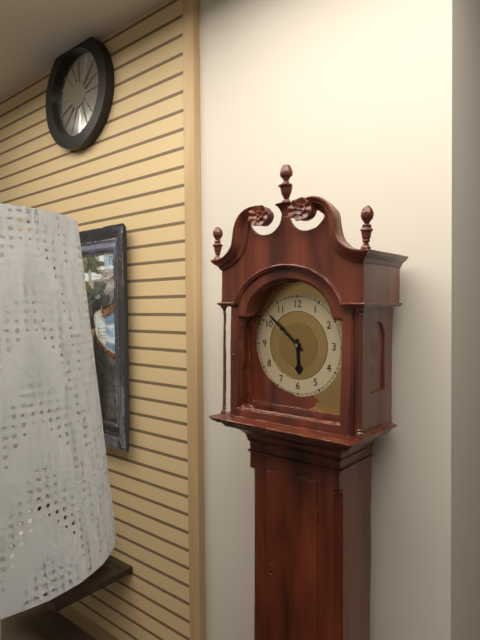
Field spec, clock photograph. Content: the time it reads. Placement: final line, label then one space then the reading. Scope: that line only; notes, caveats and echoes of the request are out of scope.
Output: 5:52
